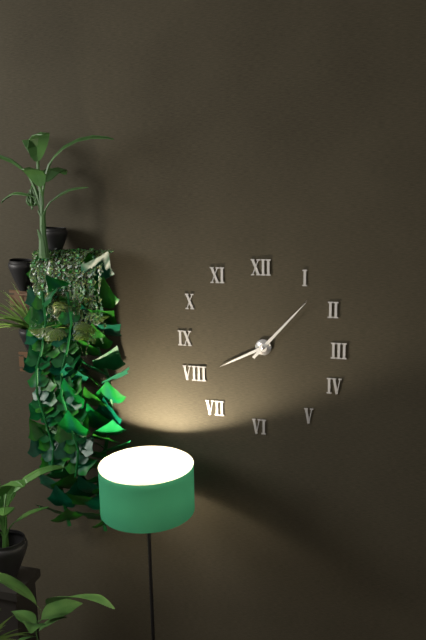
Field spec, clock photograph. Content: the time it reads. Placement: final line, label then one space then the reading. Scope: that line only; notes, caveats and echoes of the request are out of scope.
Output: 8:07
